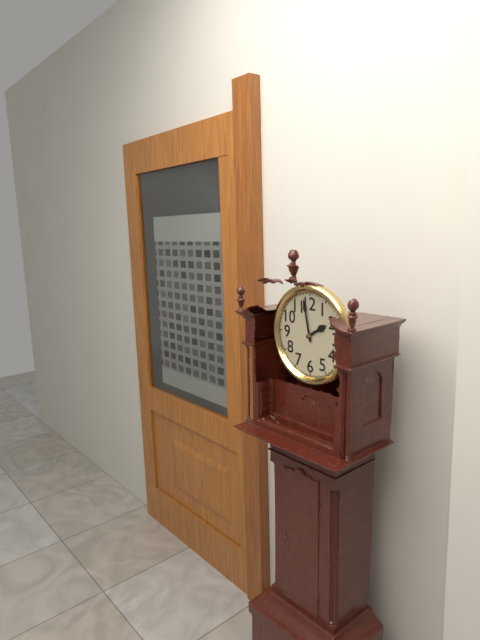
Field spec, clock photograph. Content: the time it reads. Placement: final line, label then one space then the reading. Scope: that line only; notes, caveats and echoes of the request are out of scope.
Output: 1:58
